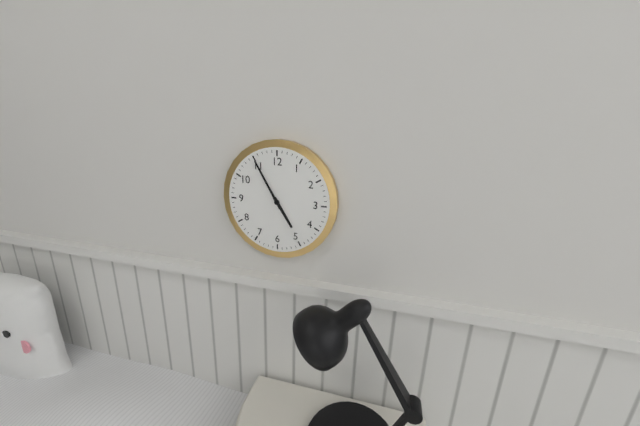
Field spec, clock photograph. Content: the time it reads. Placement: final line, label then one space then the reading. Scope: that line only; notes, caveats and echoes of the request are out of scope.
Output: 4:55
